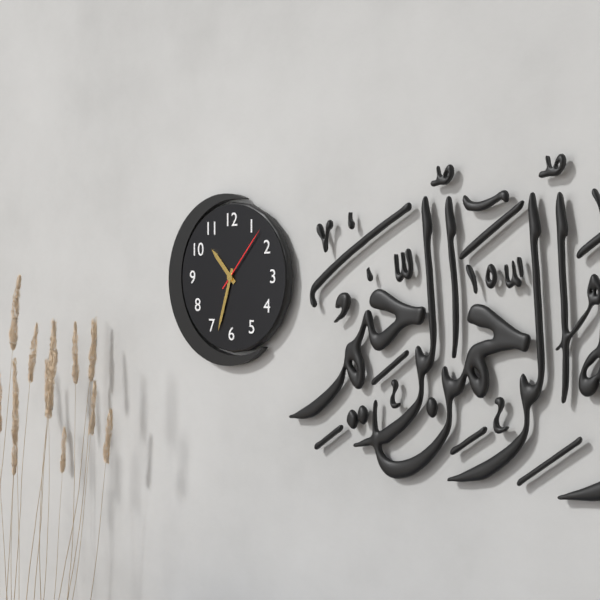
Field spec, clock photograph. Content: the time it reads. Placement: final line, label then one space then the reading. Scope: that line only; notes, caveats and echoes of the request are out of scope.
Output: 10:33:07
